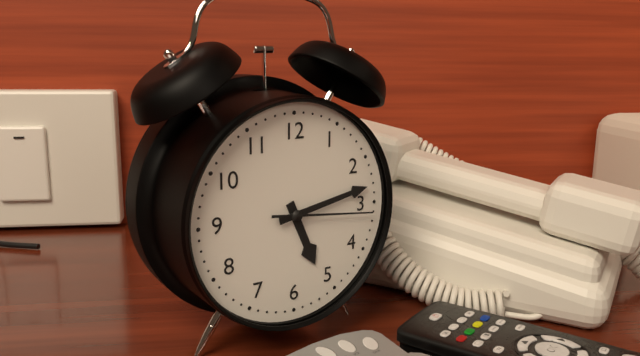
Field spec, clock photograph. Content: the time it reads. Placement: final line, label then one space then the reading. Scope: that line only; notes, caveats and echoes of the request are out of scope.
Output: 5:13:16
